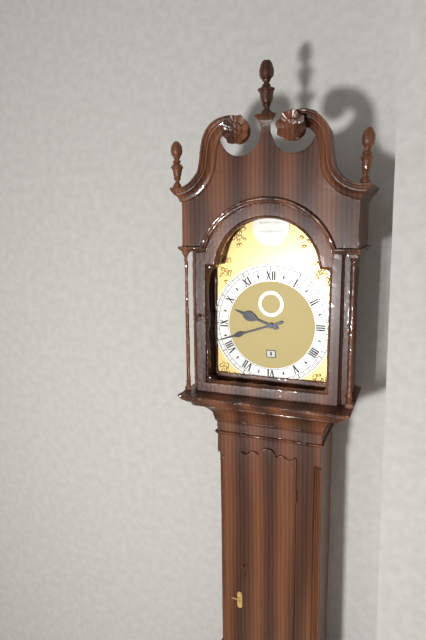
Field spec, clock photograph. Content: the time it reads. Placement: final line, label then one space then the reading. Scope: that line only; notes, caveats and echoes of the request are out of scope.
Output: 9:42
